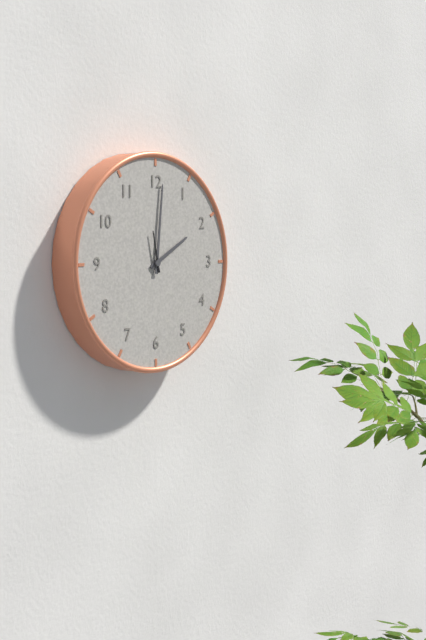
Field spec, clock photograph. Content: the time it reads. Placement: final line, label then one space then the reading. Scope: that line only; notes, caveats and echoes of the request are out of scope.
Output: 2:01
